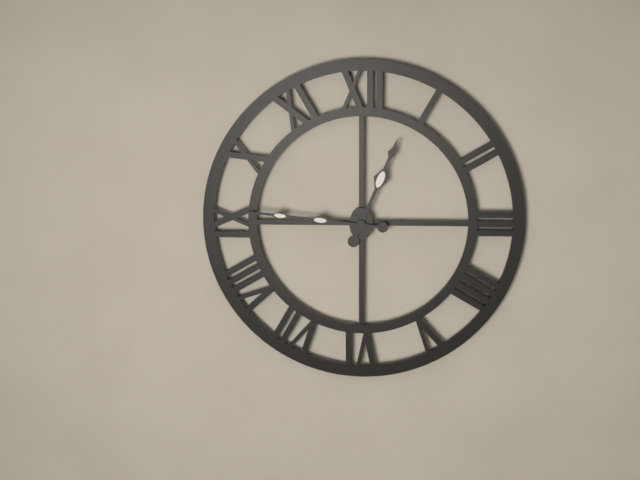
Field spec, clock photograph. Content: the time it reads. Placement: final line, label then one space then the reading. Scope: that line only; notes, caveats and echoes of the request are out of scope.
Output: 12:46
